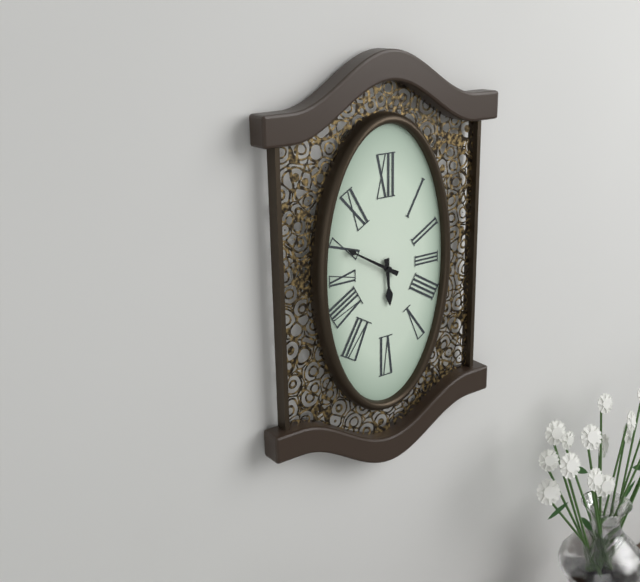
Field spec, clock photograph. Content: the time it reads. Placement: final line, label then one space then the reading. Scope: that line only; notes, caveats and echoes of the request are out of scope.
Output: 5:50
